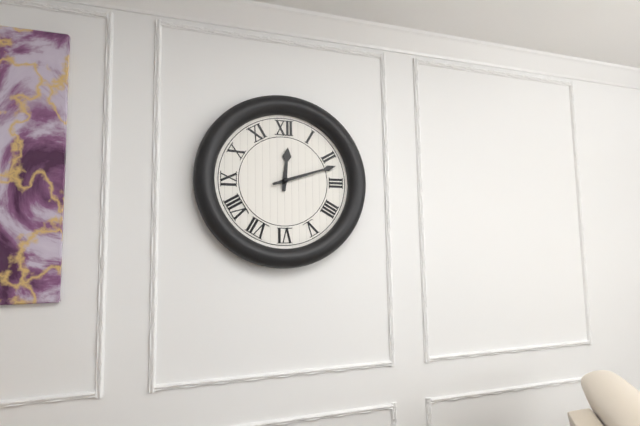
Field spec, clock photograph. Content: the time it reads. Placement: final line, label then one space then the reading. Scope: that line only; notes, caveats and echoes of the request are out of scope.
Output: 12:12
